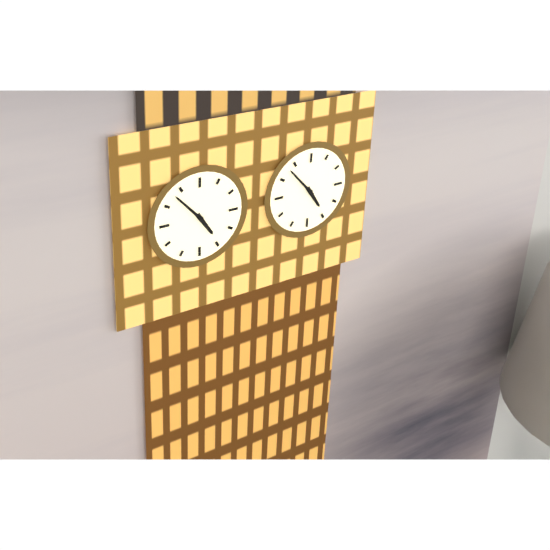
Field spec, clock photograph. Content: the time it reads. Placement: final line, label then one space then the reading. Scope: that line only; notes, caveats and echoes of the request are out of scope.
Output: 4:53
